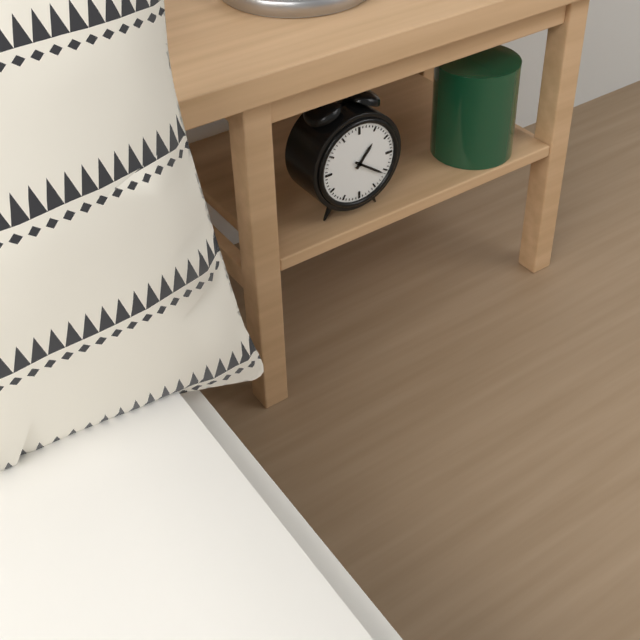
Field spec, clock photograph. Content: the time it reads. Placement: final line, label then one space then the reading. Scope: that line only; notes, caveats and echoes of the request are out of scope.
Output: 1:21
